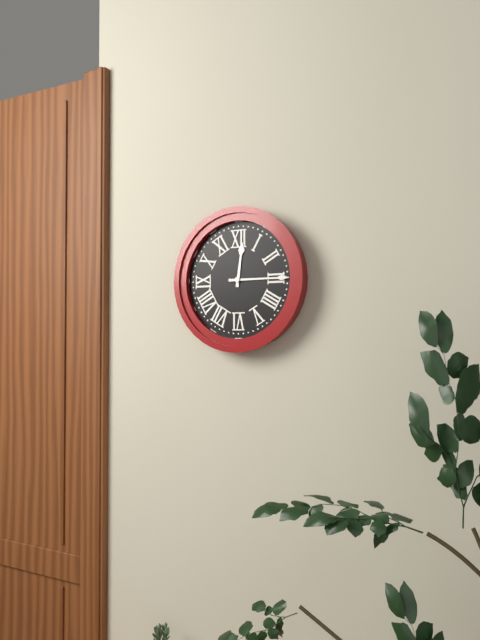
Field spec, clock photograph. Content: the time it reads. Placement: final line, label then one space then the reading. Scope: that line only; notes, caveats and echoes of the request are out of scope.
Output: 12:15
